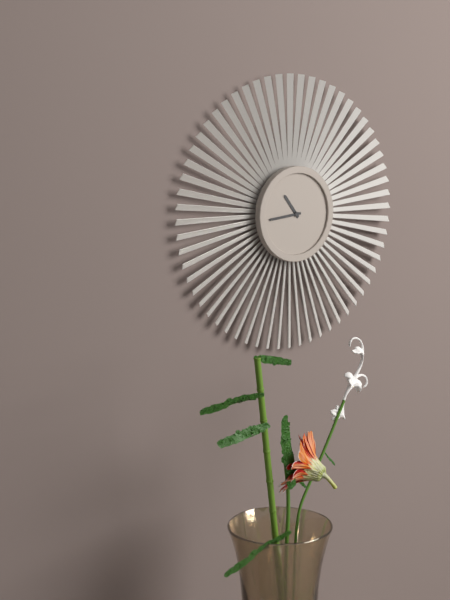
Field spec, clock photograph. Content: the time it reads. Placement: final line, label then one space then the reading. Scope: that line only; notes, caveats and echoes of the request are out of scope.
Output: 10:44
